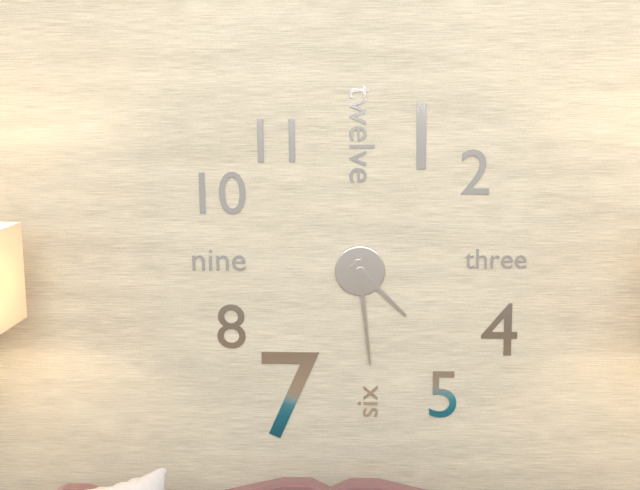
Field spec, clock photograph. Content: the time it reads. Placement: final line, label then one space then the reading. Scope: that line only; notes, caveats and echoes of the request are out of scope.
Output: 4:29
